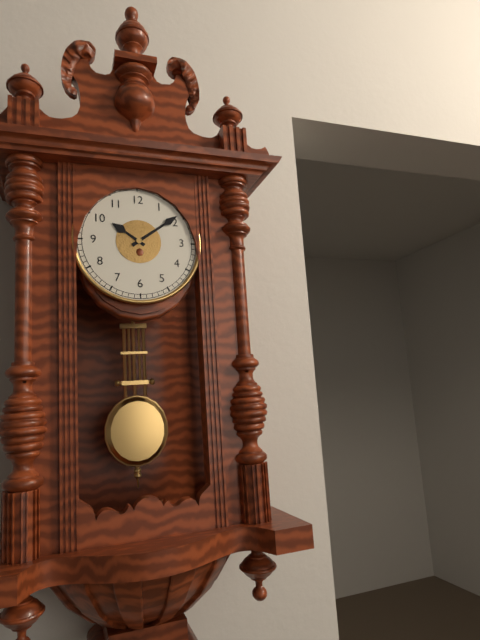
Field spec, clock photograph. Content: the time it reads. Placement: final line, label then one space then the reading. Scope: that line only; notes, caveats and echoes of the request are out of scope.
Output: 10:09
